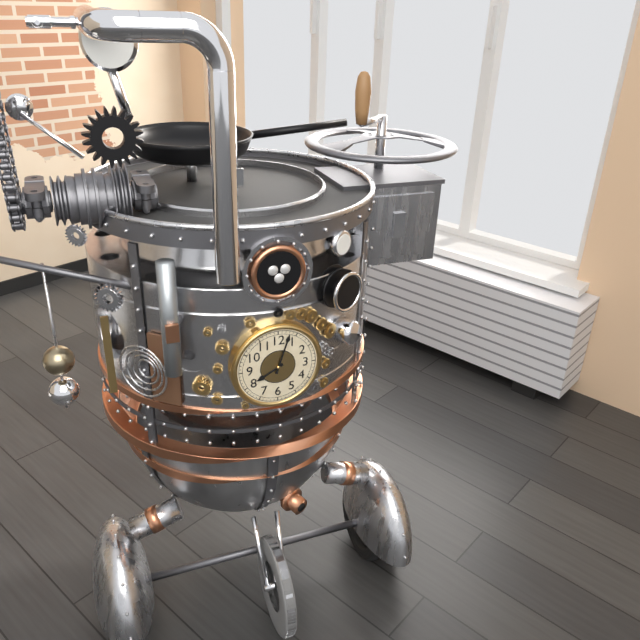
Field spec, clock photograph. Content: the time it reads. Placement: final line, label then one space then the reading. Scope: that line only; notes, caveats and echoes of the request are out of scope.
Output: 8:03
